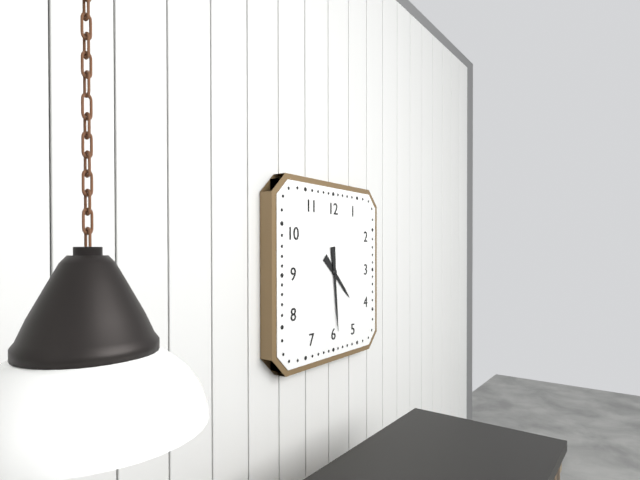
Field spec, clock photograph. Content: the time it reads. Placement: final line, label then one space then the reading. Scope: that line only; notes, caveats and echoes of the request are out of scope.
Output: 4:29
